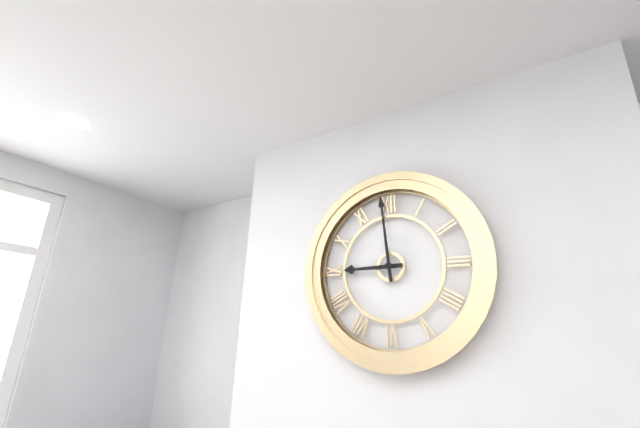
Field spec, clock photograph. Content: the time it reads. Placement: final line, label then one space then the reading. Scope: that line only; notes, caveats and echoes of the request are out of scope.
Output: 8:59
